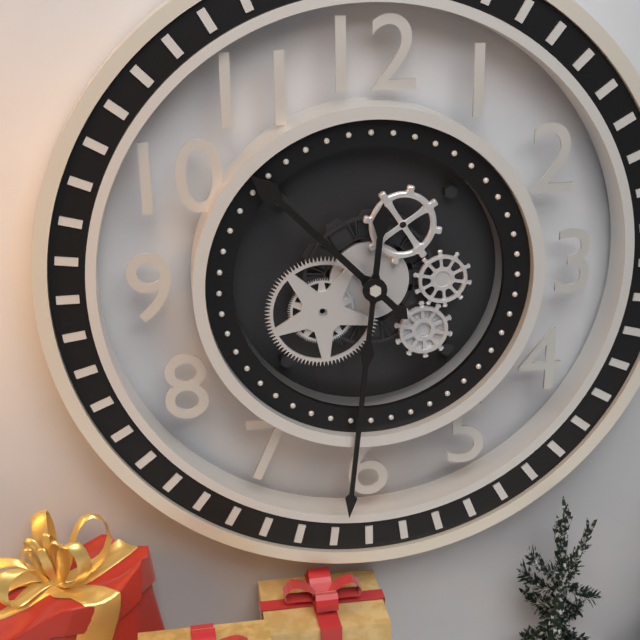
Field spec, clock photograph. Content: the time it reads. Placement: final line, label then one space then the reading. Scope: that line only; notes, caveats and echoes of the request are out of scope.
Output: 10:31
